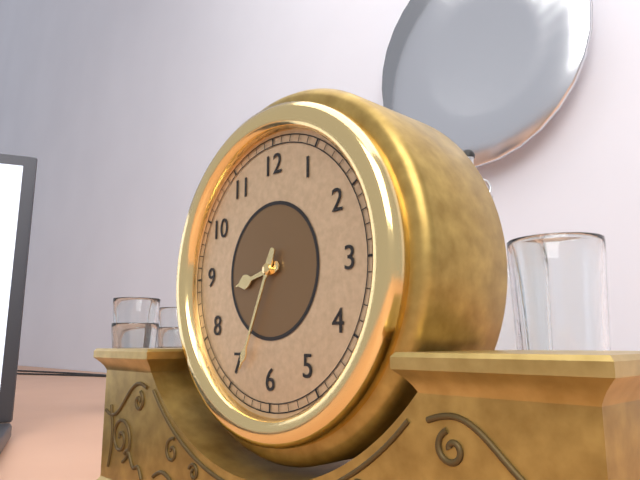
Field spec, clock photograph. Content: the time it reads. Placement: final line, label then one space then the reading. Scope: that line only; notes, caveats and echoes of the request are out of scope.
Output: 8:34
